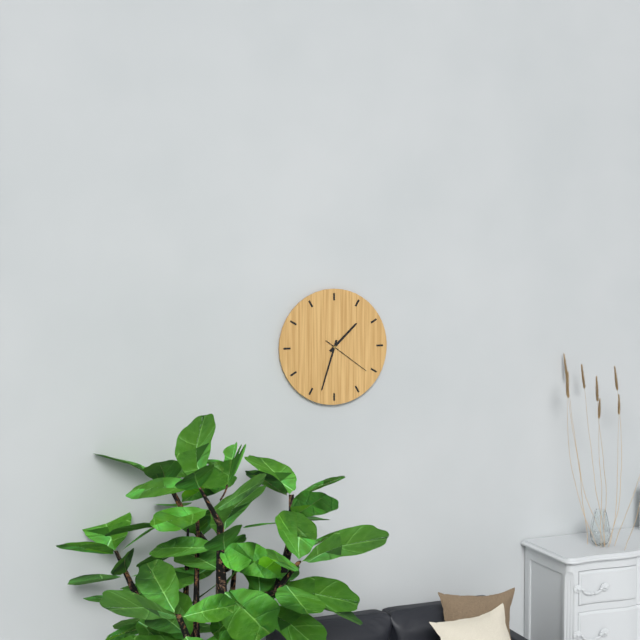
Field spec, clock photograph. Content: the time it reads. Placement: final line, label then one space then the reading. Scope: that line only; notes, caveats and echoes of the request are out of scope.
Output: 1:33
